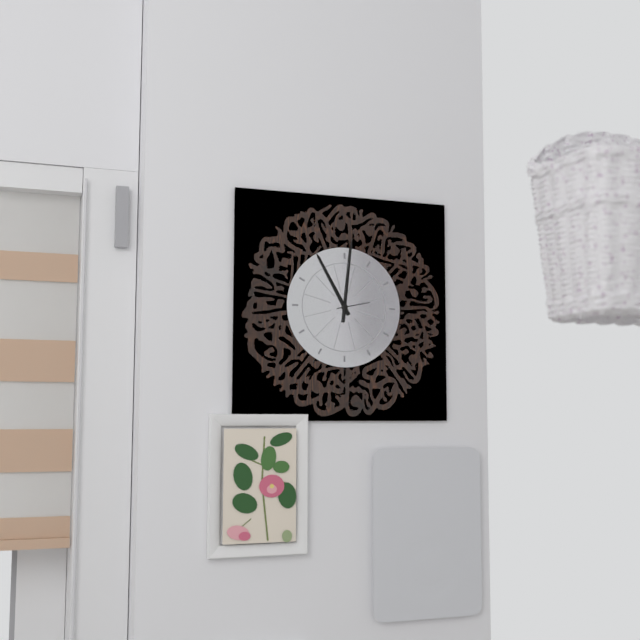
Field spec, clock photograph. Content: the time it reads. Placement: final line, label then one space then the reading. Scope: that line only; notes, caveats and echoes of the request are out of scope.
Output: 11:01
